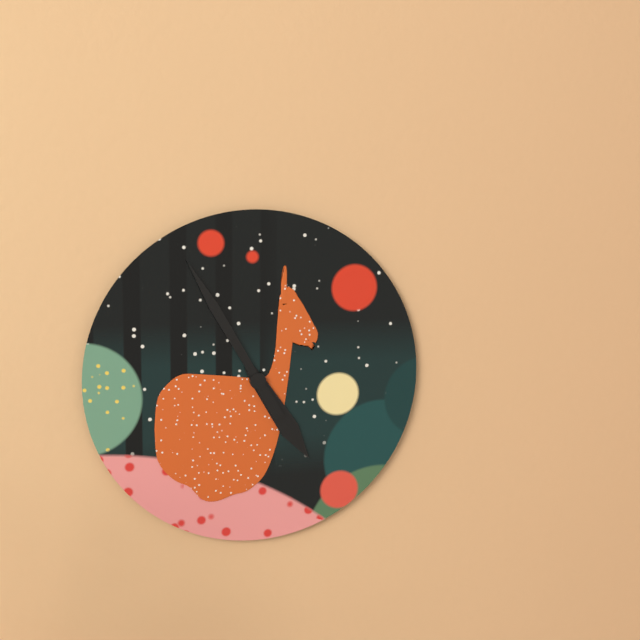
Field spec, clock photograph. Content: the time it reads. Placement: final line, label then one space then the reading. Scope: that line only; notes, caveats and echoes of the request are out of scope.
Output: 4:55
